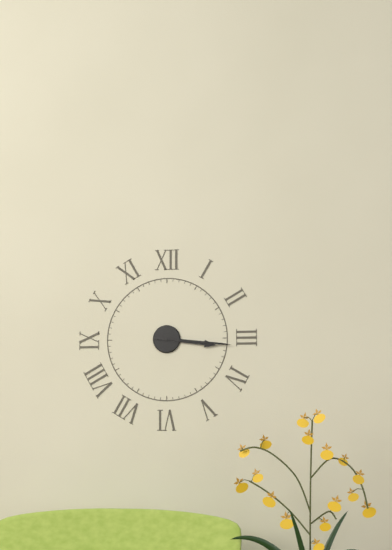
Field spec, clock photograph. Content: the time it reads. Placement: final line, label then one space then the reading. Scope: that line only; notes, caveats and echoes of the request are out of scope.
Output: 3:16
